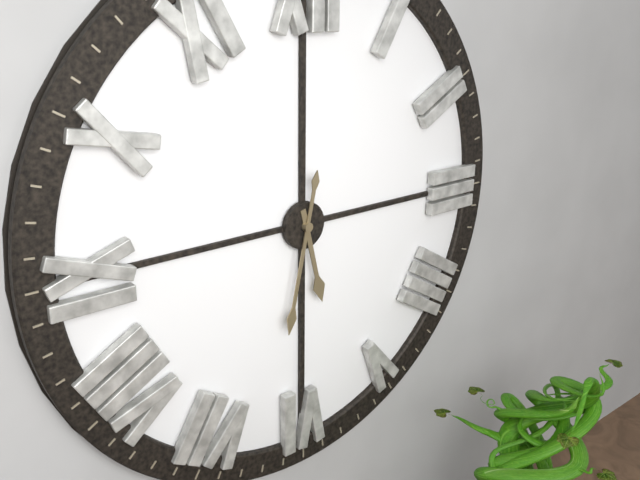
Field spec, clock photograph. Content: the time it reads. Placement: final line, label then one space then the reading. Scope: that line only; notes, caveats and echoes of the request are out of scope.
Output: 5:32
